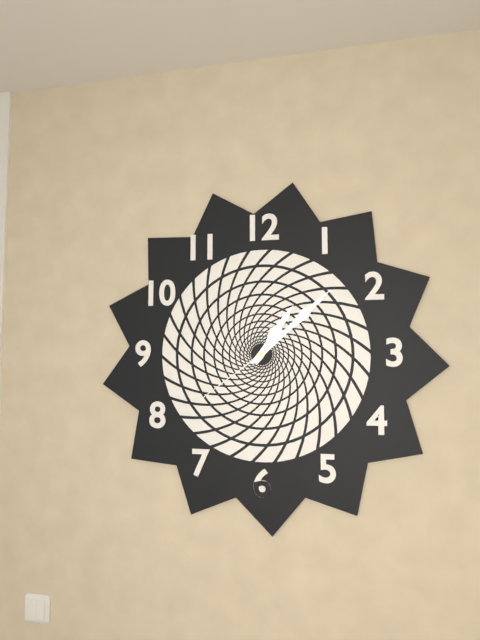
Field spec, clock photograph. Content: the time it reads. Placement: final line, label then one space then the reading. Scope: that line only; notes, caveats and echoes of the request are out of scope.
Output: 1:08:39
